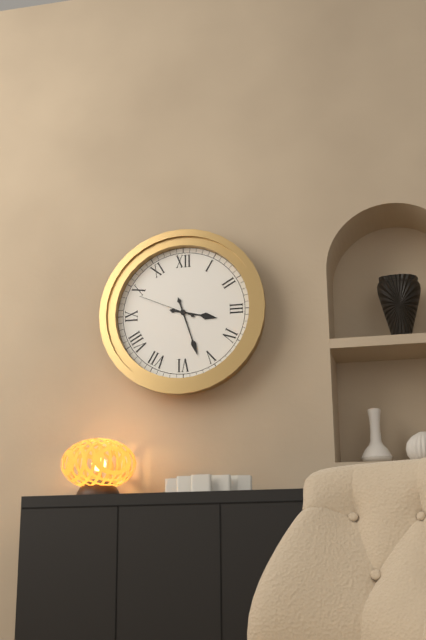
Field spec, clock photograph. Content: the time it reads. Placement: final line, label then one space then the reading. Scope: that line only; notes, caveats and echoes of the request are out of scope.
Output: 3:27:49
